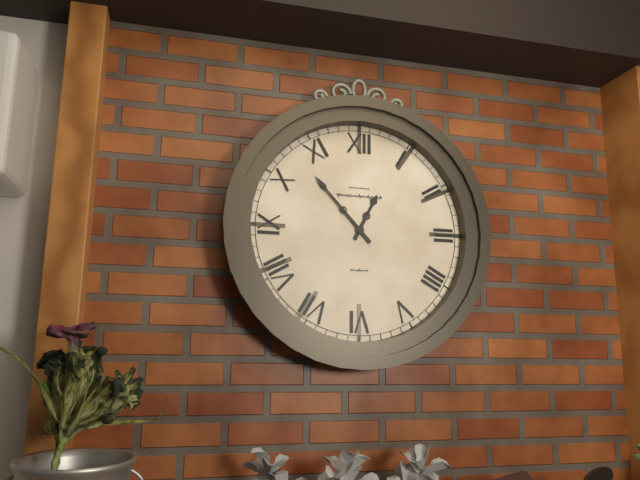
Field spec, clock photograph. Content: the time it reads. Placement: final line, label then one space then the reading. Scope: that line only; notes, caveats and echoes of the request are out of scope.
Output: 12:53
